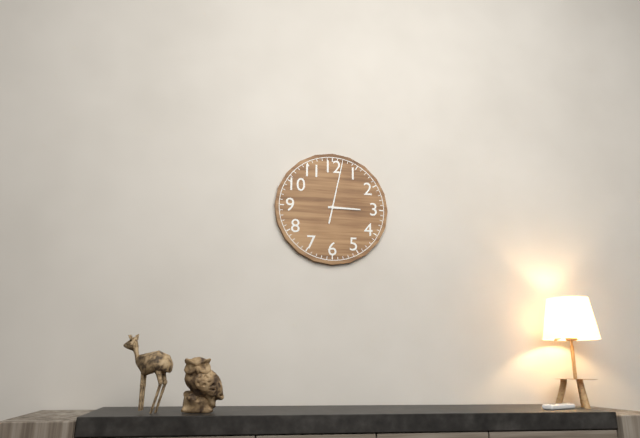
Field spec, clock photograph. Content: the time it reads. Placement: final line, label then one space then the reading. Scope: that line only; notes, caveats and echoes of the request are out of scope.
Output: 3:02
